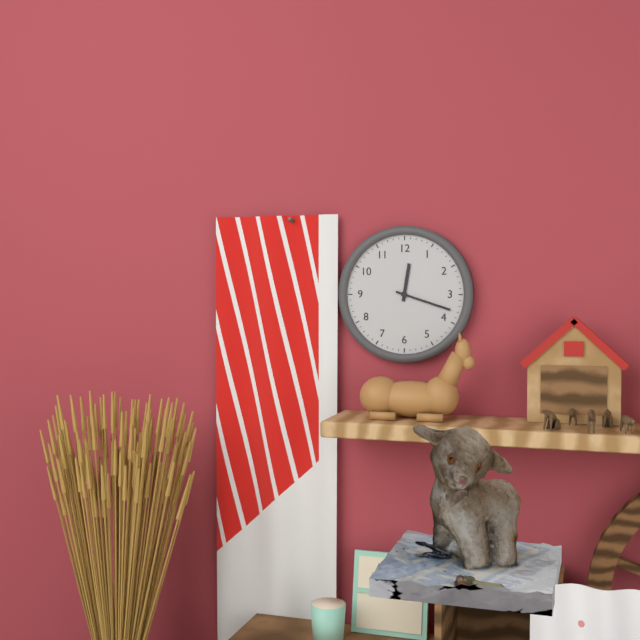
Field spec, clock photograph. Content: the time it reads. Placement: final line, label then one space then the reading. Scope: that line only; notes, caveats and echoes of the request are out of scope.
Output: 12:18
